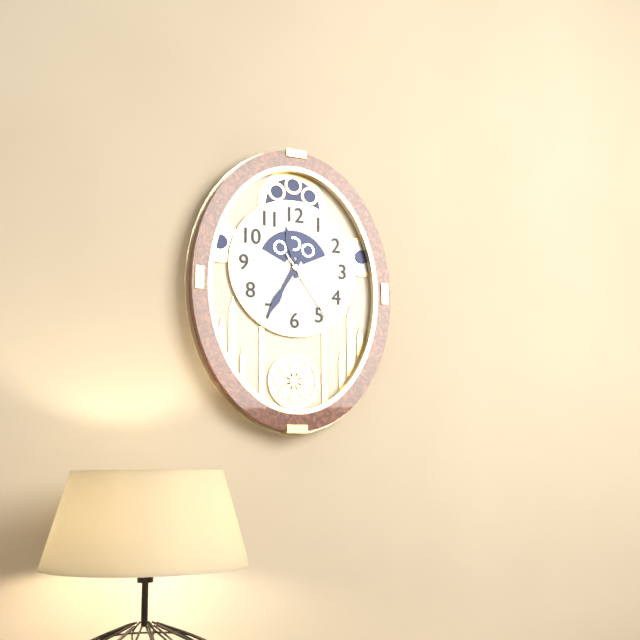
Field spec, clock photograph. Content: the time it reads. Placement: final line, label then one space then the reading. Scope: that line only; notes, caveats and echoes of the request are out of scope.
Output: 11:35:24
